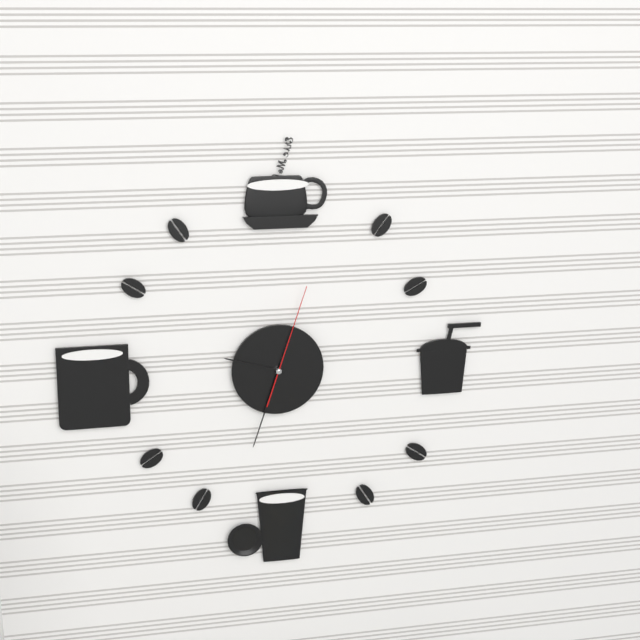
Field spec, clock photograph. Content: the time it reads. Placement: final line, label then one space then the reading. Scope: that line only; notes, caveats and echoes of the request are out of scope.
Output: 9:33:03
